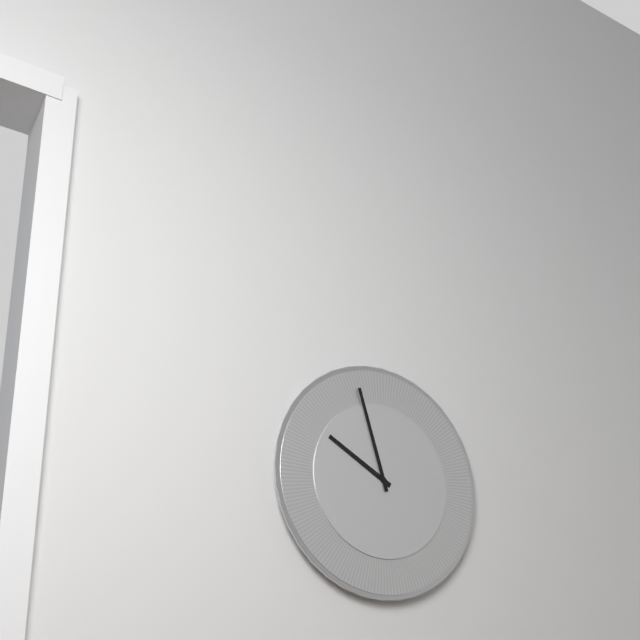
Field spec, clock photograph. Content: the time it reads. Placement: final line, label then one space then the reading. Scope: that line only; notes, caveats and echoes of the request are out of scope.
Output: 9:57
